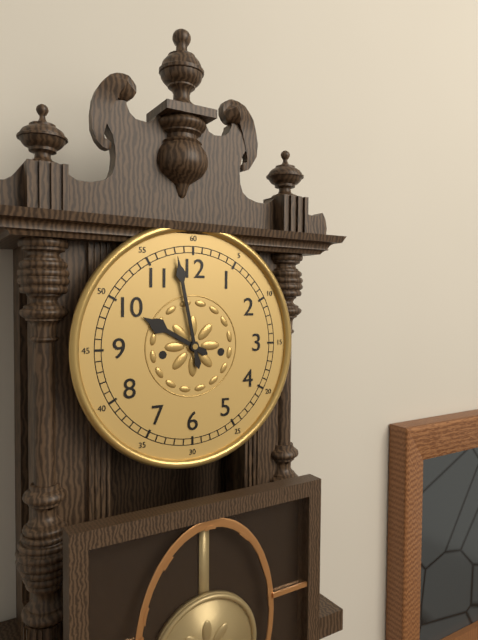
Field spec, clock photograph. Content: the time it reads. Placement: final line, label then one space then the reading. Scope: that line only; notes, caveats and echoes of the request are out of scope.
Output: 9:58
